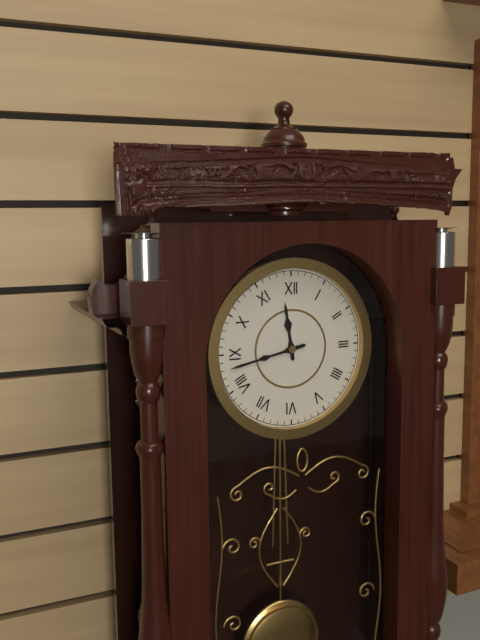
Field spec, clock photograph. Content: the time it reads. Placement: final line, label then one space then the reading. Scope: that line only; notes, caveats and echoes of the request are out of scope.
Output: 11:43
